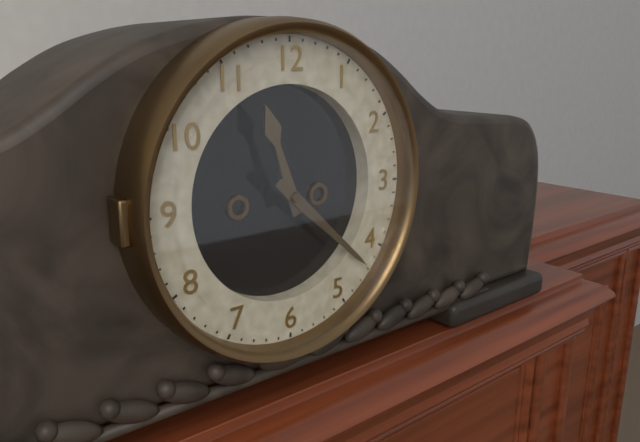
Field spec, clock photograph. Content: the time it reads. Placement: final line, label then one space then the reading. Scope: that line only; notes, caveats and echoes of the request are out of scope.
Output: 11:22
